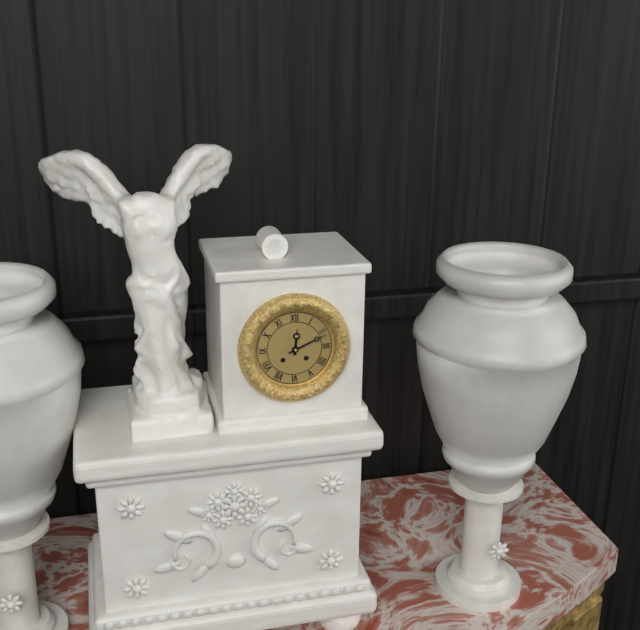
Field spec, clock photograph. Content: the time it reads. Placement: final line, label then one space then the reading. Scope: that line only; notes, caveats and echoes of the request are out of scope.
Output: 12:11
